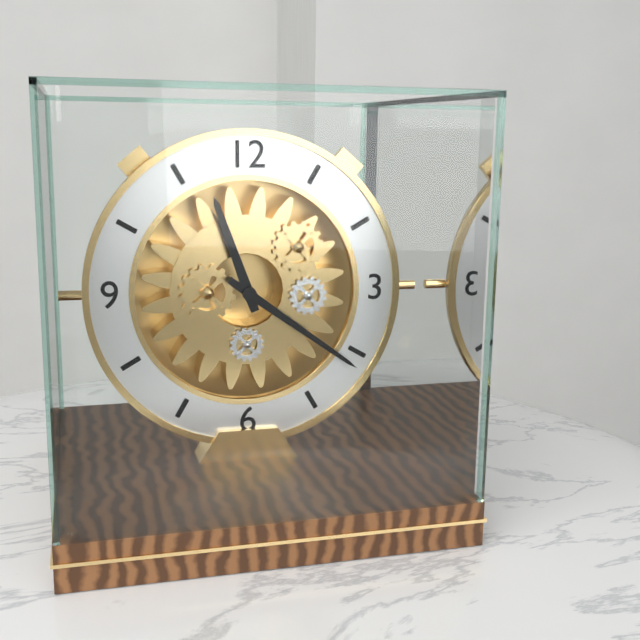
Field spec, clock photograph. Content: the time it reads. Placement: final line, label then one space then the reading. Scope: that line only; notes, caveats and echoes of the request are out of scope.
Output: 11:21
